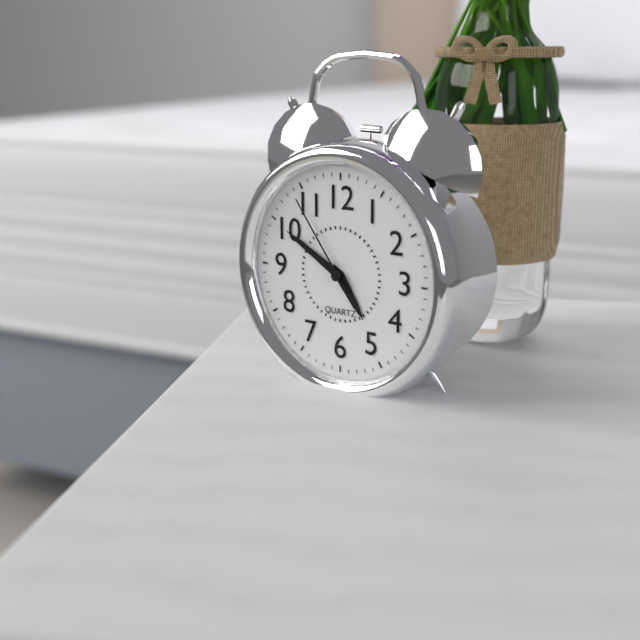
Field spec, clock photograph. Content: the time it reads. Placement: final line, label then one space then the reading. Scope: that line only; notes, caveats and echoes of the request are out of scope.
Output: 4:50:54
